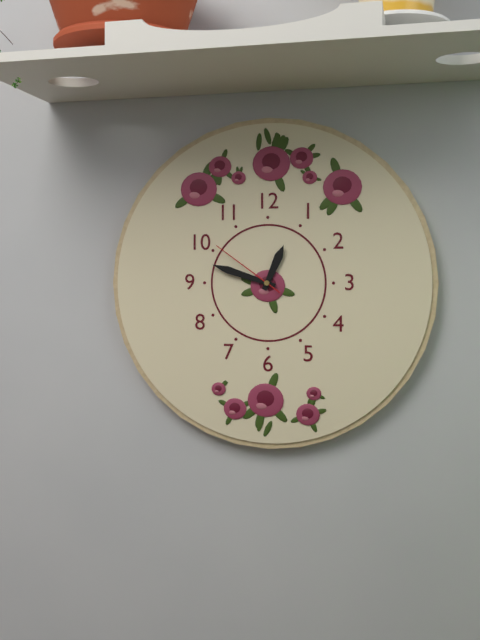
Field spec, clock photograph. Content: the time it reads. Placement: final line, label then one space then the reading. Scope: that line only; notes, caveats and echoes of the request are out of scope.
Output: 12:48:51
